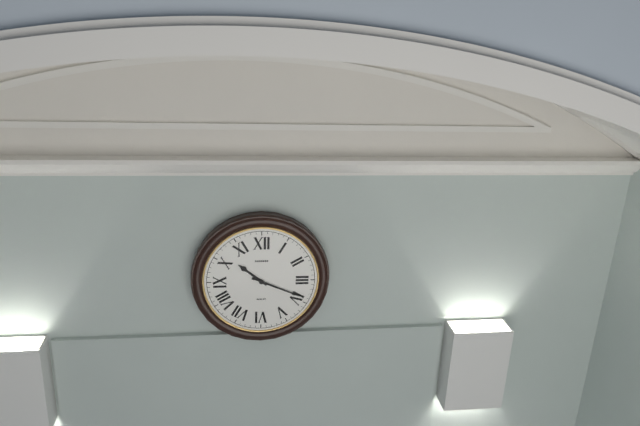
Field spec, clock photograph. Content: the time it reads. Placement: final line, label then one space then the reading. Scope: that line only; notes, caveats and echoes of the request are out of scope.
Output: 10:19
